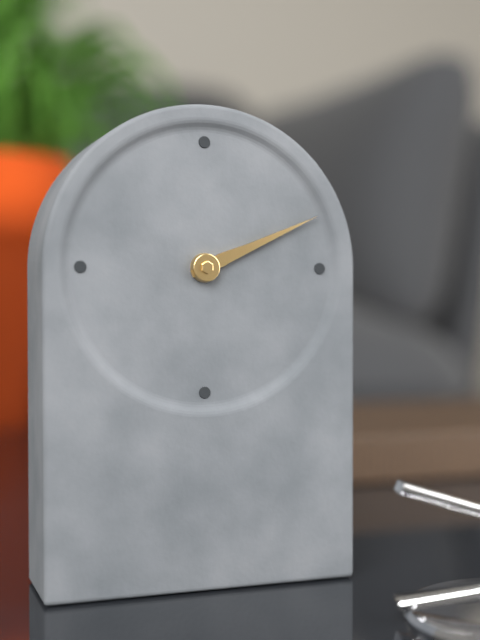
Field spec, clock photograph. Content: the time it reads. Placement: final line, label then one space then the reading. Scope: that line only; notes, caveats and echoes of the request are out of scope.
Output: 2:11
